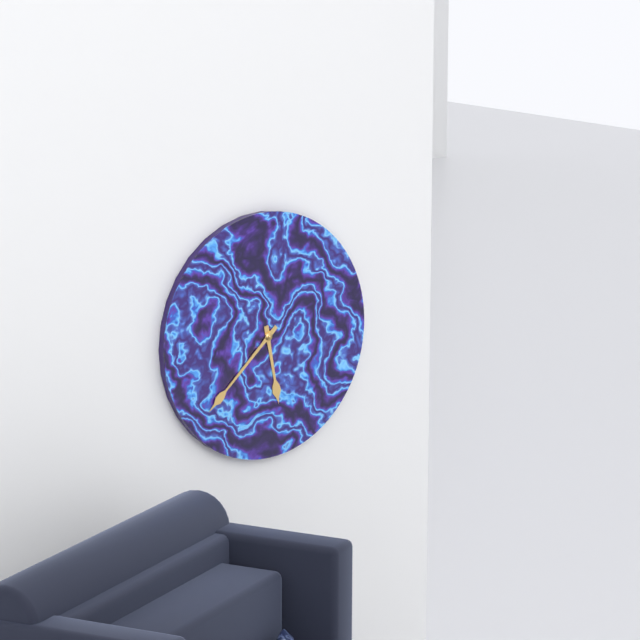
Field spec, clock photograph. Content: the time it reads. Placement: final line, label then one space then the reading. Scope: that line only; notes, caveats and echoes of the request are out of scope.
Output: 5:38
